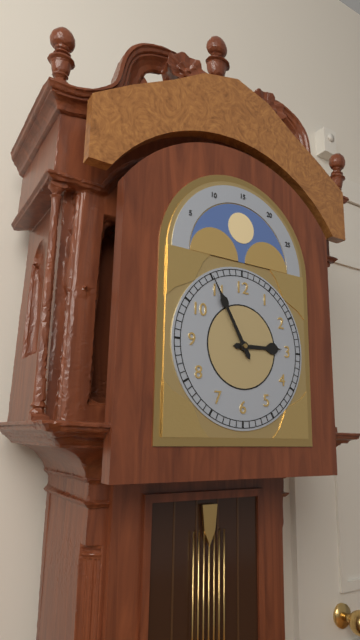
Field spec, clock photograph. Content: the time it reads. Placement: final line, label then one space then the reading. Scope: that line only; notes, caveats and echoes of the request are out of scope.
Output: 2:55
